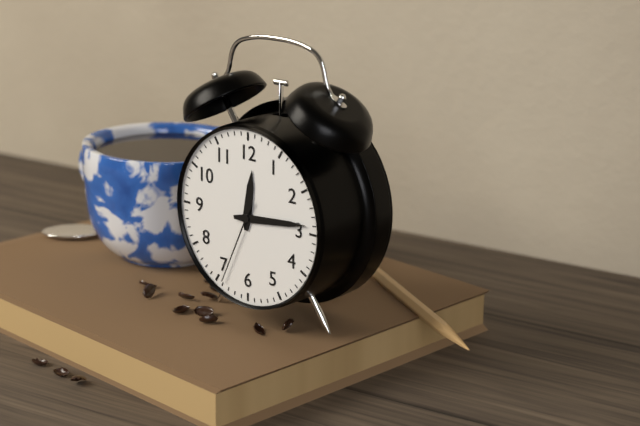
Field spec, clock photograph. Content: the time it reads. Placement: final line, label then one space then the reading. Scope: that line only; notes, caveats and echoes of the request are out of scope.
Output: 12:14:34
